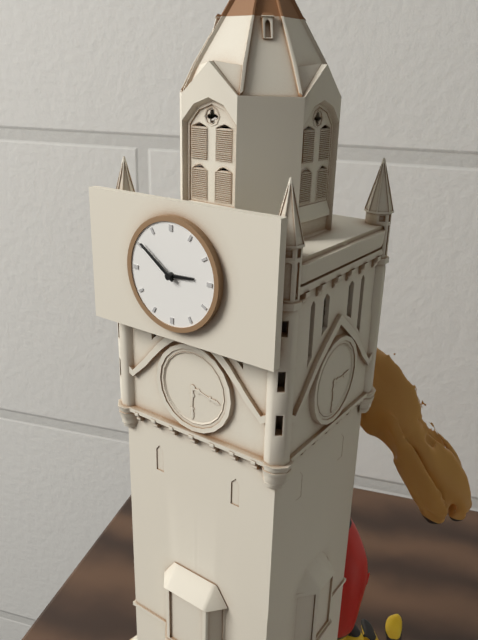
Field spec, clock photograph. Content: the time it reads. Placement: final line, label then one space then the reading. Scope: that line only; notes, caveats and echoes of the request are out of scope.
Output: 2:51
